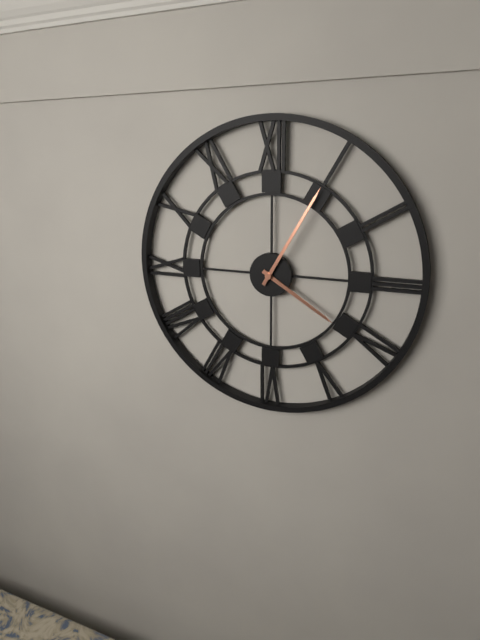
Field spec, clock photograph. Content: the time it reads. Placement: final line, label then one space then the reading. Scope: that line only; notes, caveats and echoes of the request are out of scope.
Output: 4:05
